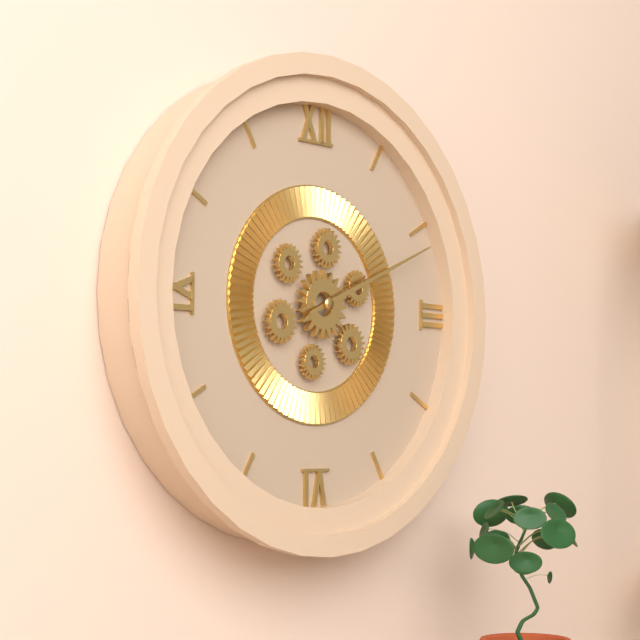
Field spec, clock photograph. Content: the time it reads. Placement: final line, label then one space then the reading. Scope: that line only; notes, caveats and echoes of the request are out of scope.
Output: 2:11
